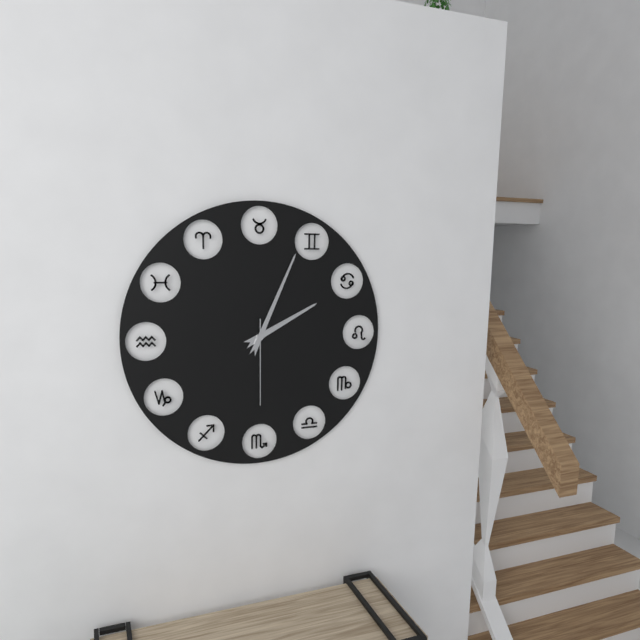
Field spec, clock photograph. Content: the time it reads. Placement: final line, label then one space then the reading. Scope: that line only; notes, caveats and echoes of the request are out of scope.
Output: 2:04:30
